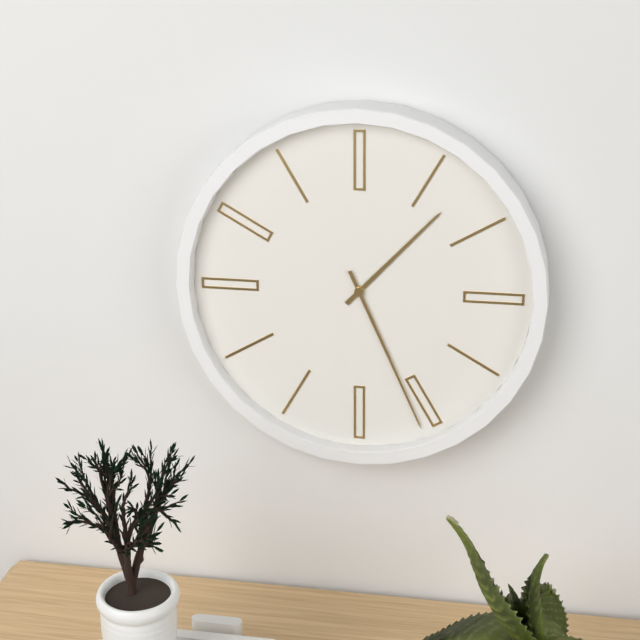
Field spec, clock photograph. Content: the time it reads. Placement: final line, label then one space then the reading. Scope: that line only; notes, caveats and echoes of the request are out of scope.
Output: 1:26
